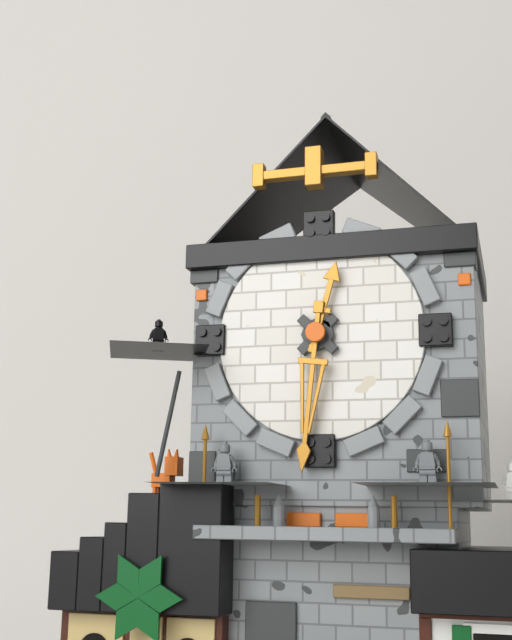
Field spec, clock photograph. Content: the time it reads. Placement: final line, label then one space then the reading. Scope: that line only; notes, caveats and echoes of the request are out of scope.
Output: 12:31
